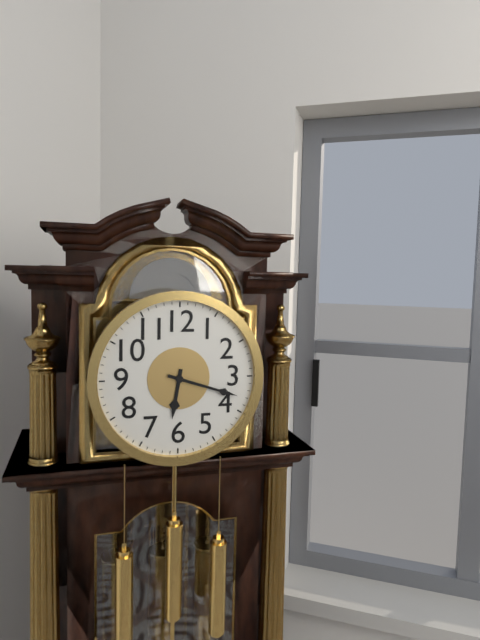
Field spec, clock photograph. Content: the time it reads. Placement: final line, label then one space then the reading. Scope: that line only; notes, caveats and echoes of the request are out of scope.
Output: 6:18
